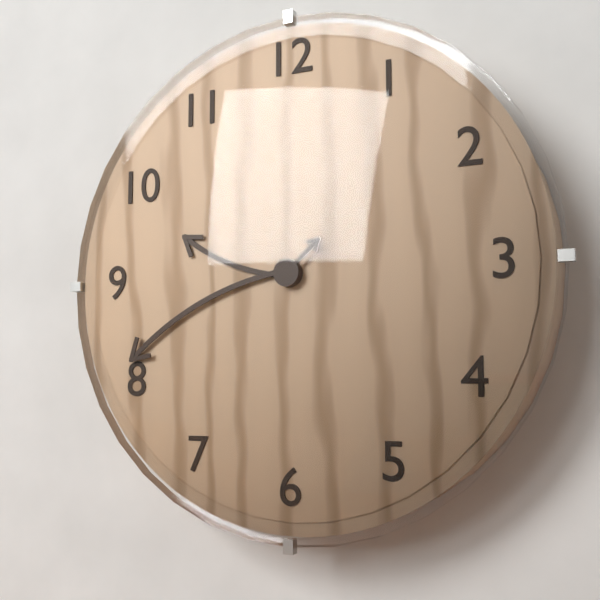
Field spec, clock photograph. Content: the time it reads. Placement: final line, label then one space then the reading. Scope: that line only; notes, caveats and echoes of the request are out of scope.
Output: 9:41:08
